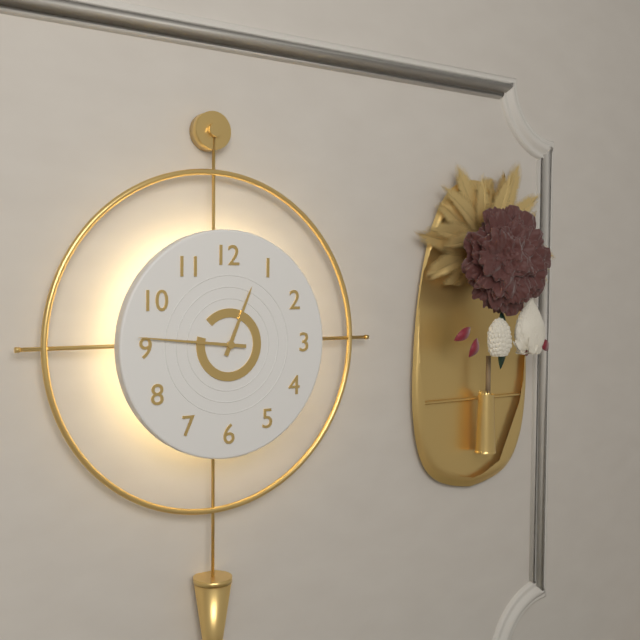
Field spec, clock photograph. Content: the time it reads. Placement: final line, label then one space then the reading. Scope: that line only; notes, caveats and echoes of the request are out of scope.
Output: 12:46
